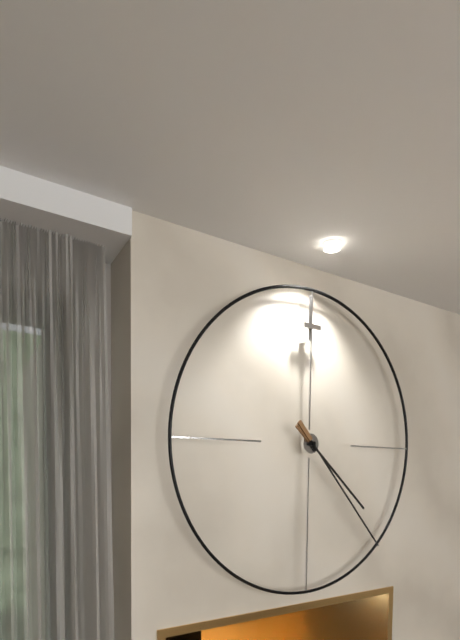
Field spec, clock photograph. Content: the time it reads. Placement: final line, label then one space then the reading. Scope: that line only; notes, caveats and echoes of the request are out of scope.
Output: 4:23
